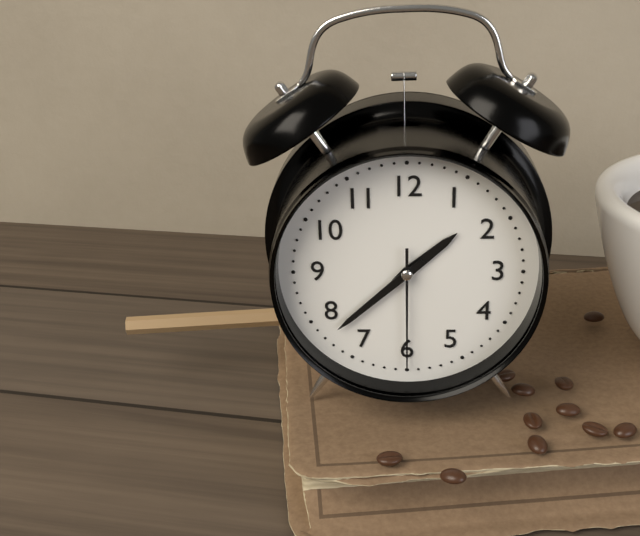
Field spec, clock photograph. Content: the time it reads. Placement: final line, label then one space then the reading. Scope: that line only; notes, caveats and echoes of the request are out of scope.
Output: 1:38:30
